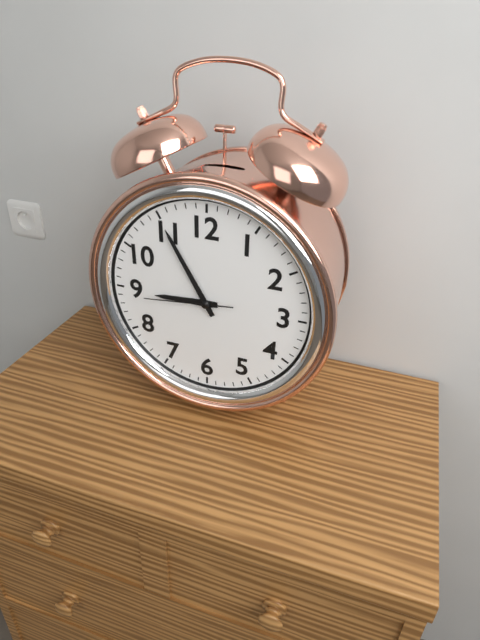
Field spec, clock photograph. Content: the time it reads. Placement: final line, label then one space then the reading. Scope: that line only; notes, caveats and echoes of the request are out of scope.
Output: 8:55:44
